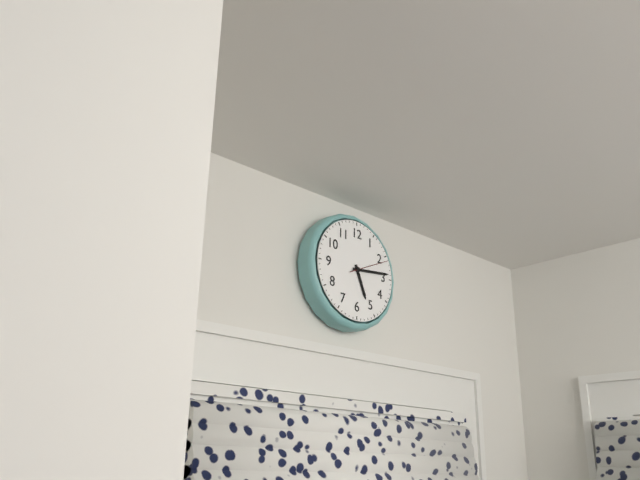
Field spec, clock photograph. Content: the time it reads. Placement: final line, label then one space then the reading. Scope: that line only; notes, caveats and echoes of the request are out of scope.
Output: 5:14
